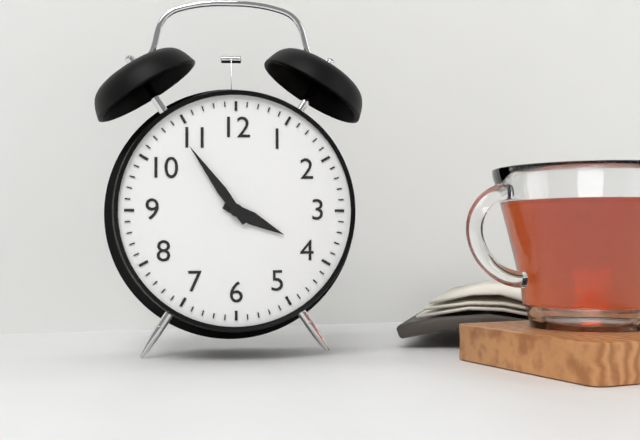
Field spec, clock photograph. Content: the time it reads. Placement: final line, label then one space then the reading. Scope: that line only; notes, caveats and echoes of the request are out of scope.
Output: 3:54
